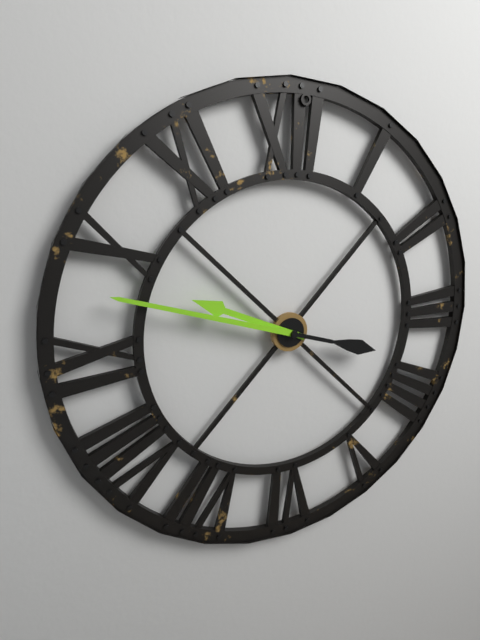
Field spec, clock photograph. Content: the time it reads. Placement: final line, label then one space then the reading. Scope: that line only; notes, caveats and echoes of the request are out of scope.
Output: 9:48
